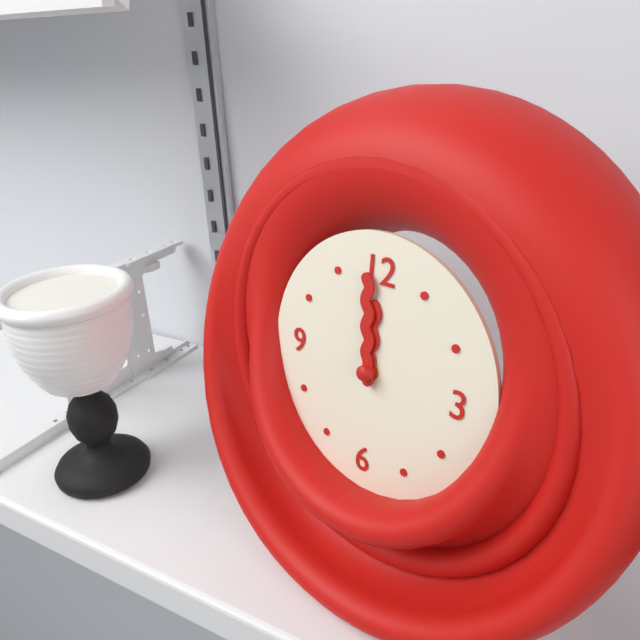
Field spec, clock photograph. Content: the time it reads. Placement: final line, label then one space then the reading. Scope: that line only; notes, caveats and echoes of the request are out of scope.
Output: 11:59
